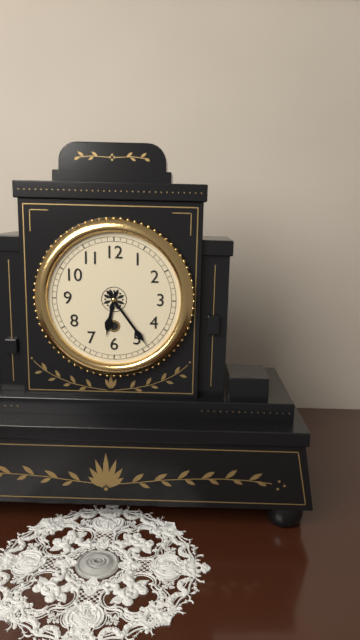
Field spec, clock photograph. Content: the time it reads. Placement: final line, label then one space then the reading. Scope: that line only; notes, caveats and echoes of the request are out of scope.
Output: 6:24
